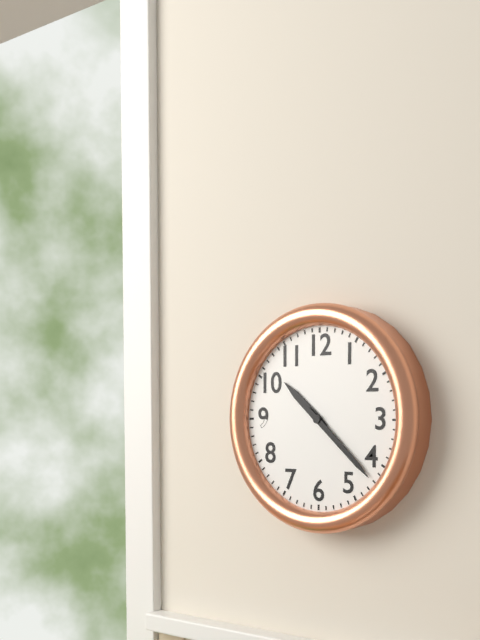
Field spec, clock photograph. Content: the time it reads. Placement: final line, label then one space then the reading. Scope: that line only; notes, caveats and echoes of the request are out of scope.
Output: 10:22
